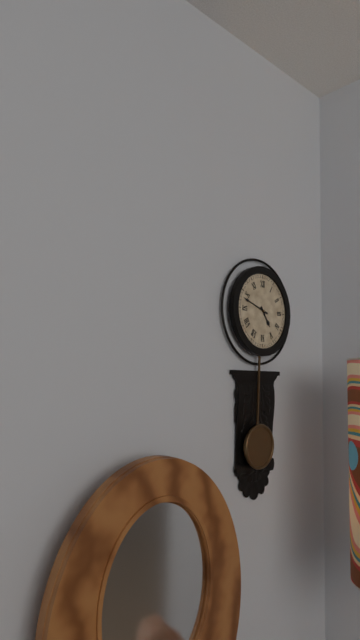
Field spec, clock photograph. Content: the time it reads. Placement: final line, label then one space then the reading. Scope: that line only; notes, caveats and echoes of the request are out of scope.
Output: 4:48
